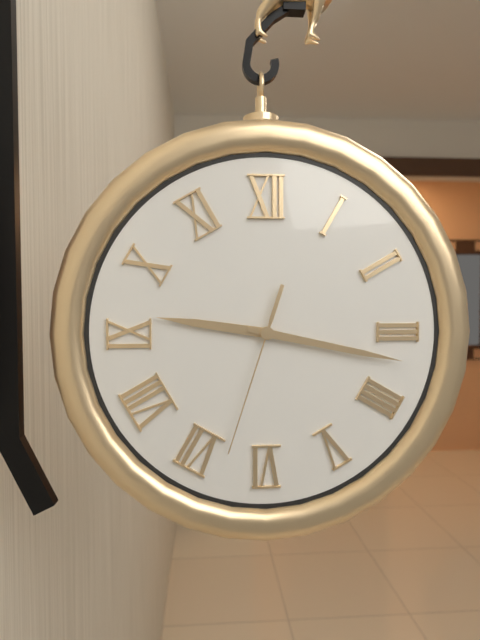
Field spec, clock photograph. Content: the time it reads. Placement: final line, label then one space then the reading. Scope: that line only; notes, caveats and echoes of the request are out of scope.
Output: 9:17:33
